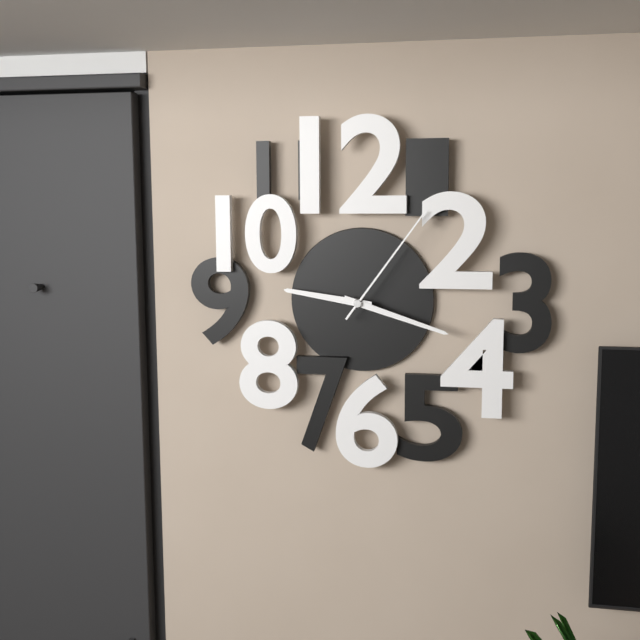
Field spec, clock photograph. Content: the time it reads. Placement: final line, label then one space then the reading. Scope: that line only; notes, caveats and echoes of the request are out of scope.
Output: 9:18:06
